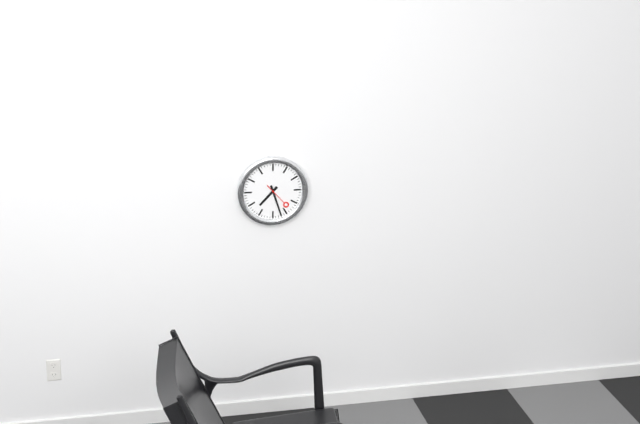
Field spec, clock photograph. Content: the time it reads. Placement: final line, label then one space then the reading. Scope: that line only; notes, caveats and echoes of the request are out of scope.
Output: 7:27
